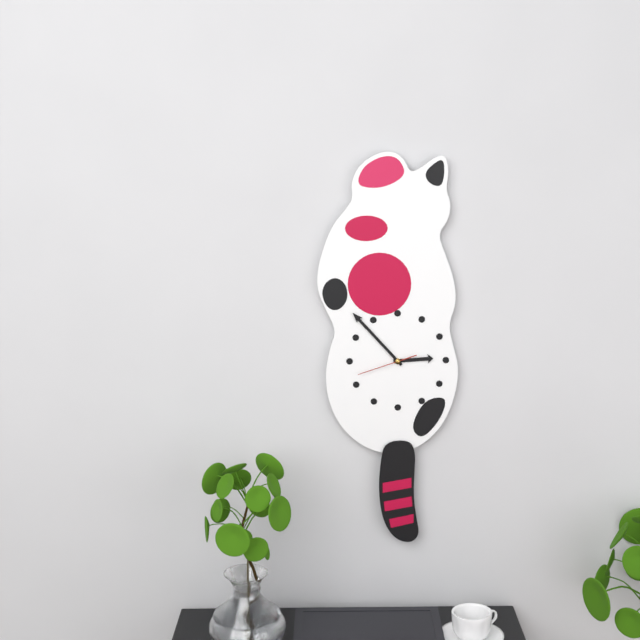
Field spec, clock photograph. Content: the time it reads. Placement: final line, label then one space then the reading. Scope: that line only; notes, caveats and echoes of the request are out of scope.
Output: 2:53:42
